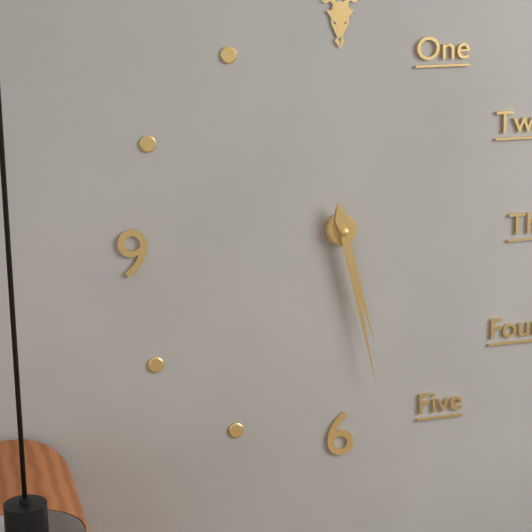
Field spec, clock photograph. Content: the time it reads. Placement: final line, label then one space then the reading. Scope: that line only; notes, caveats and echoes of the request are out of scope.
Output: 5:28
